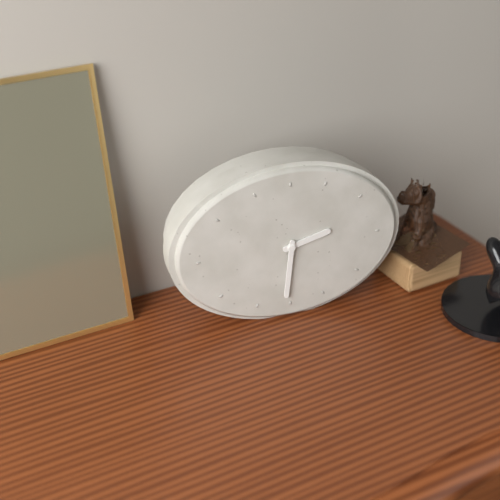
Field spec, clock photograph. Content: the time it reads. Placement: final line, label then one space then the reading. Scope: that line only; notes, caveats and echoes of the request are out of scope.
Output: 2:31
